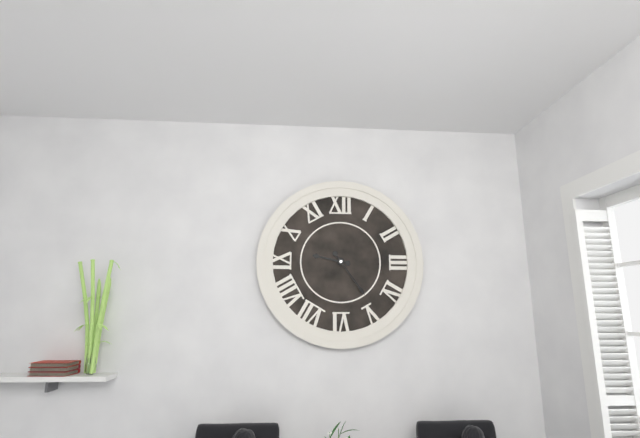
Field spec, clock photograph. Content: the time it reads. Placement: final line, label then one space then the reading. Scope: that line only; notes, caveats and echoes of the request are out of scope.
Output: 9:24
